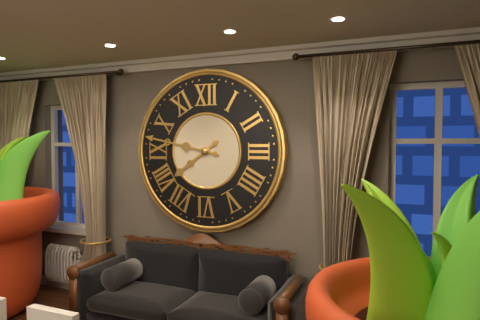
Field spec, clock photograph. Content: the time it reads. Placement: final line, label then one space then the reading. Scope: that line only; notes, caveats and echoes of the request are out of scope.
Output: 7:47
